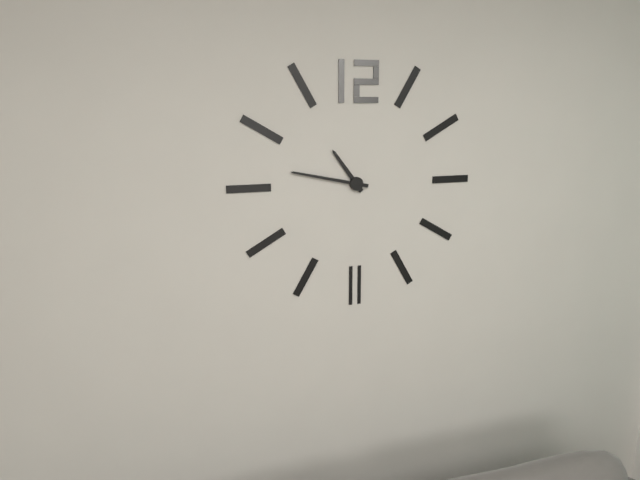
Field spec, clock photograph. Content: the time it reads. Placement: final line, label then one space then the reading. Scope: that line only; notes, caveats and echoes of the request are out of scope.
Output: 10:47
